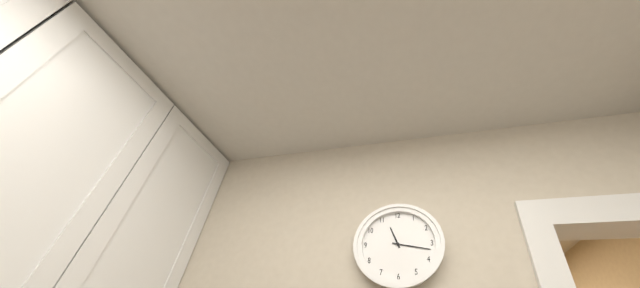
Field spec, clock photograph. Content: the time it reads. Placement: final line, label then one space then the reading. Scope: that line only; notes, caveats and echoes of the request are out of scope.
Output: 11:17
